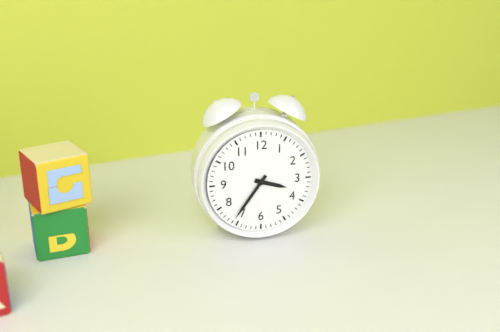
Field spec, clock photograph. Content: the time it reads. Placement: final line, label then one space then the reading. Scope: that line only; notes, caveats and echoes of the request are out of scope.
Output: 3:36
